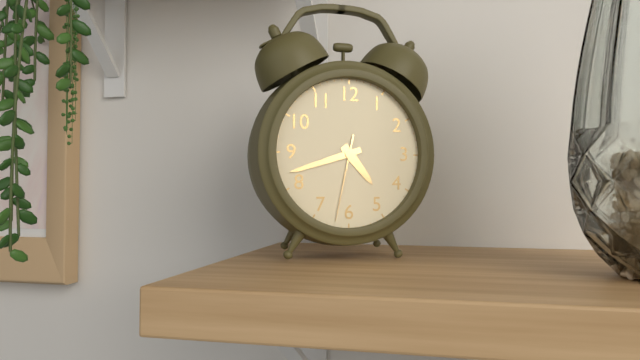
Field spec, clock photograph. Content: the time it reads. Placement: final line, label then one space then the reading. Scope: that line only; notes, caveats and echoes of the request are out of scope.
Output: 4:42:32
